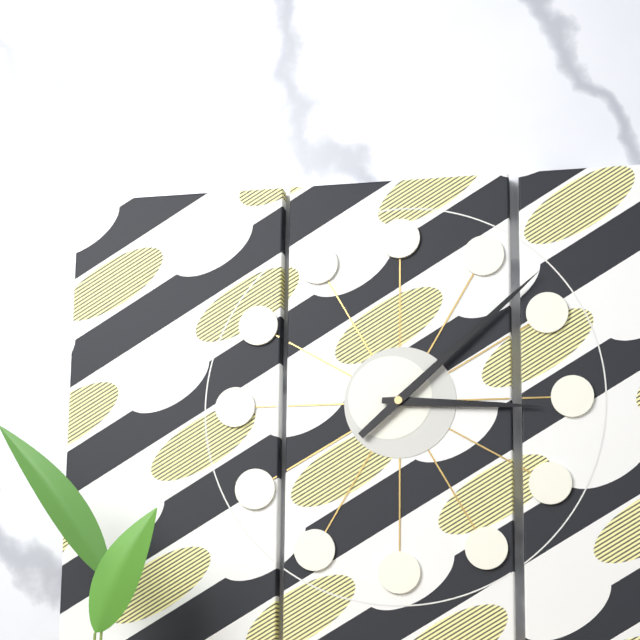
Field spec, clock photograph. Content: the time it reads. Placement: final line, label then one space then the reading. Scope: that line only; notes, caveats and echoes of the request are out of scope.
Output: 3:08
